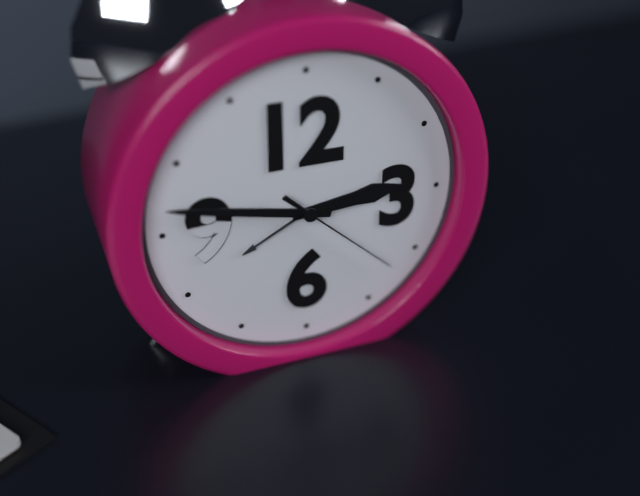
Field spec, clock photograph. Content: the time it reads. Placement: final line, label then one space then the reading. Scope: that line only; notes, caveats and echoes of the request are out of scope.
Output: 2:47:22
